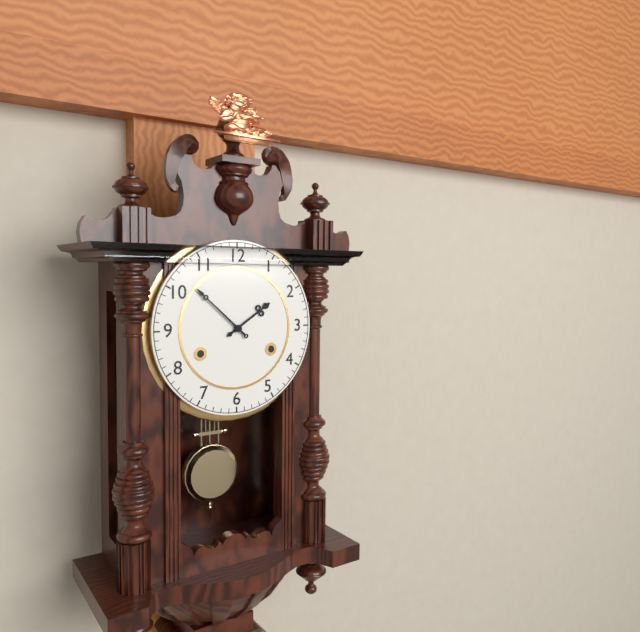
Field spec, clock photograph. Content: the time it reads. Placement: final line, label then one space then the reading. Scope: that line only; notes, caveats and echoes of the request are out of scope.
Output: 1:52
